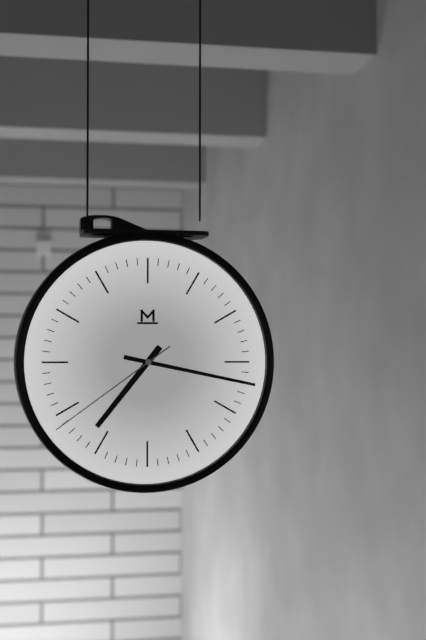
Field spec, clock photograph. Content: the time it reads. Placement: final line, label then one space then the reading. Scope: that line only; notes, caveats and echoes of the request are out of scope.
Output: 7:17:39
